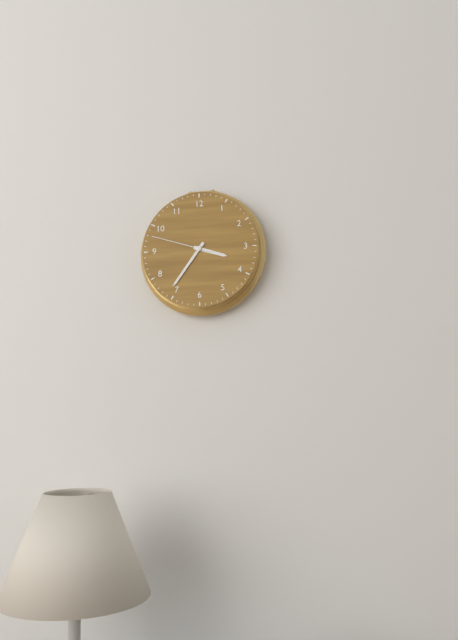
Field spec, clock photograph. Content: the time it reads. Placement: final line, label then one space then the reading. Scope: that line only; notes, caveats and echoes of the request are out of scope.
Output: 3:36:48
